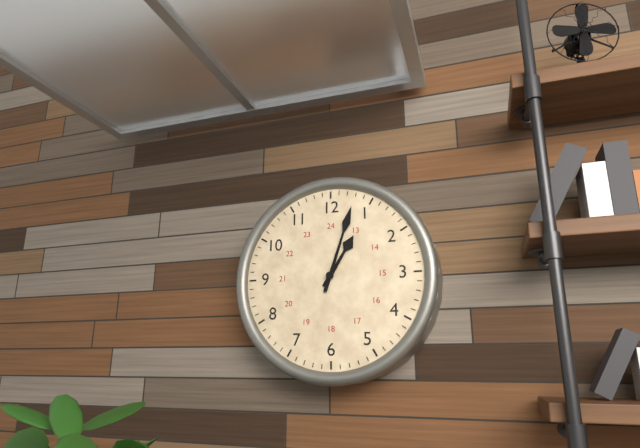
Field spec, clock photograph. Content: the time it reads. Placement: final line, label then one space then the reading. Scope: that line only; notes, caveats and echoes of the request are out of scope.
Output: 1:03
